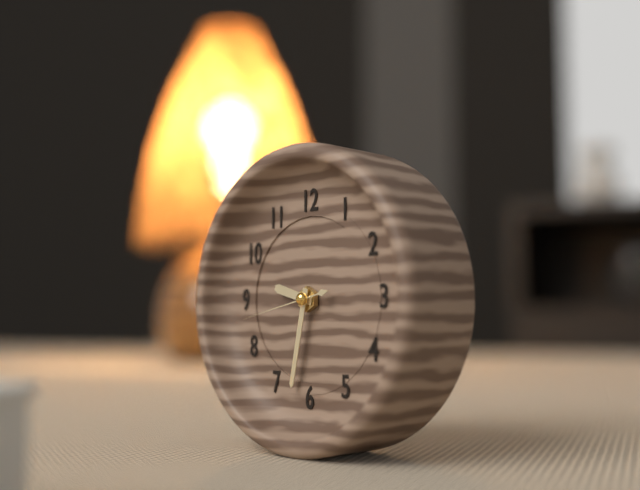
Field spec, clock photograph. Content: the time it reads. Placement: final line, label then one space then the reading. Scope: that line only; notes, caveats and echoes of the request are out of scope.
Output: 9:32:43
